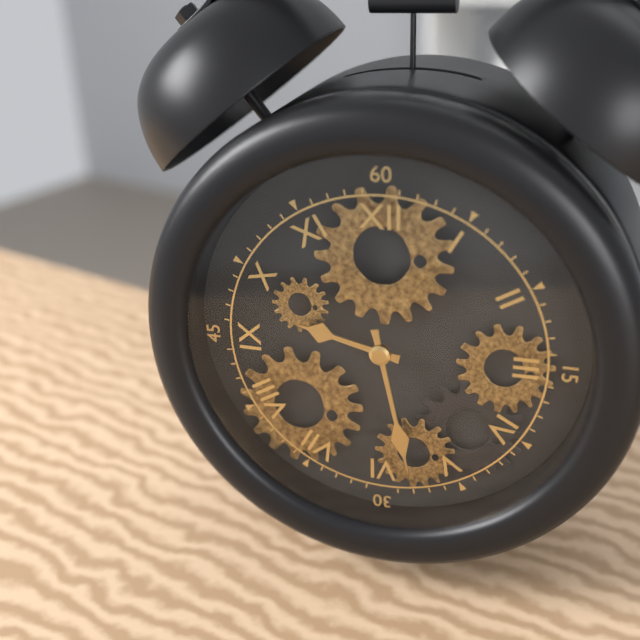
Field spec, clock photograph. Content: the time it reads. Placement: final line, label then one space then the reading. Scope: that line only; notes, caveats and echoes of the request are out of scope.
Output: 9:28
